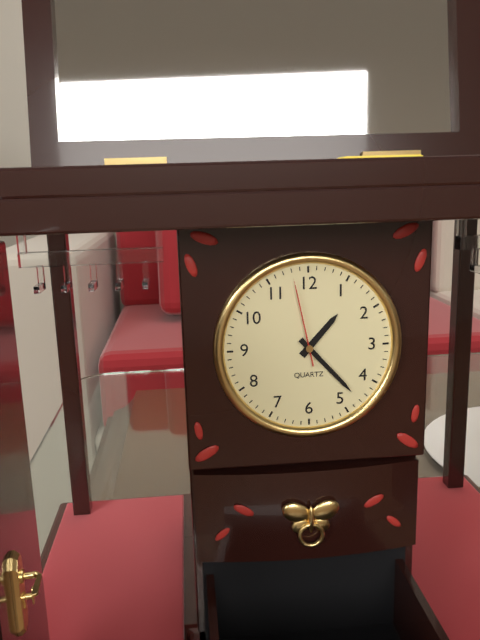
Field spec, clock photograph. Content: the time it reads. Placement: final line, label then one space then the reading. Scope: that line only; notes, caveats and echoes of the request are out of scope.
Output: 1:23:58
